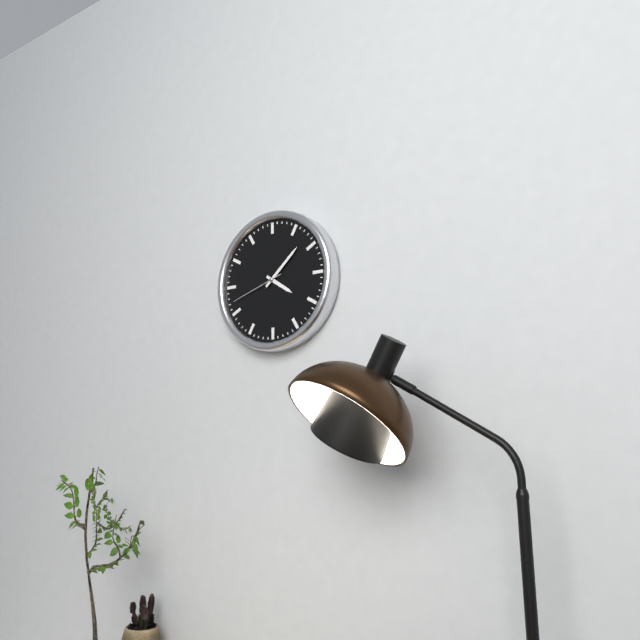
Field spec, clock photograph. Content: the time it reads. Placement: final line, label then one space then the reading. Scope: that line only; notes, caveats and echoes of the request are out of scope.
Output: 4:08:42
